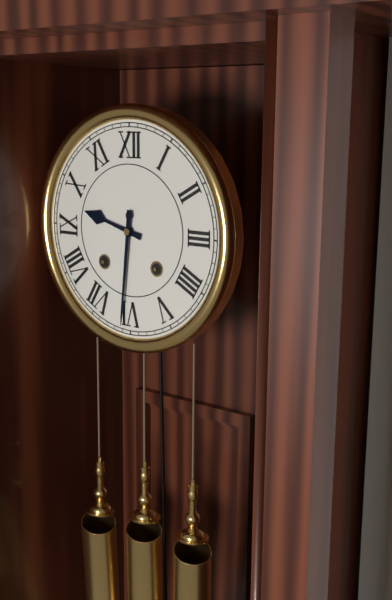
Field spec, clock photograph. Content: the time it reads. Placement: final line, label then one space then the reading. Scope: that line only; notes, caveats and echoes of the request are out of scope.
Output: 9:31
